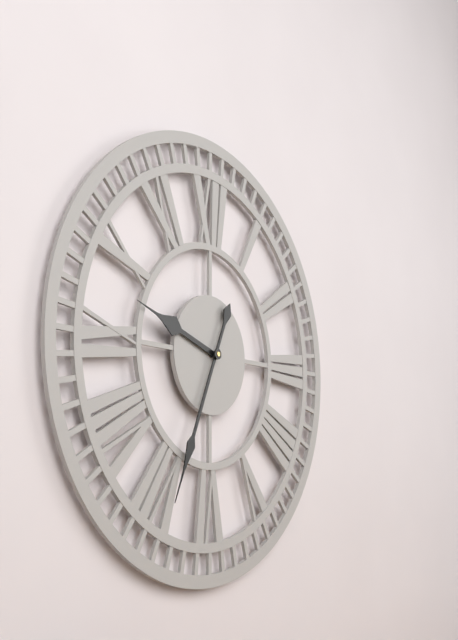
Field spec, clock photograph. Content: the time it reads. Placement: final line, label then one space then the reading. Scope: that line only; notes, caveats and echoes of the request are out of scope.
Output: 9:34
